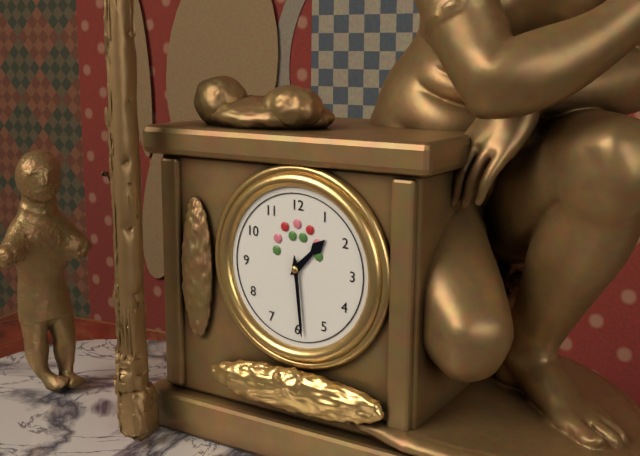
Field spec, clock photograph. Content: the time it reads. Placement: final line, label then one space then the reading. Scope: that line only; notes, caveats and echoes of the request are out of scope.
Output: 1:29
